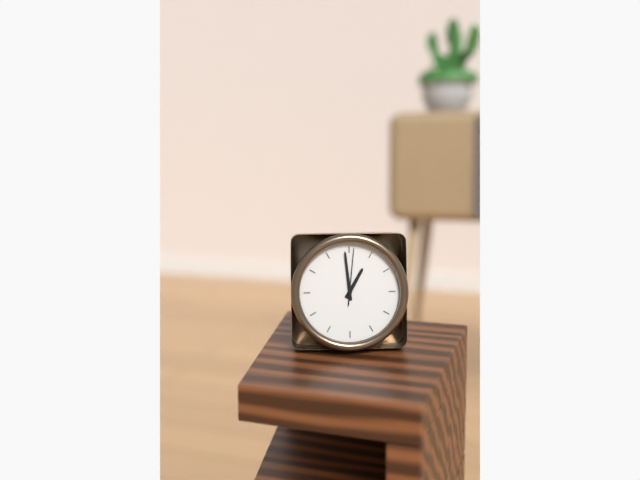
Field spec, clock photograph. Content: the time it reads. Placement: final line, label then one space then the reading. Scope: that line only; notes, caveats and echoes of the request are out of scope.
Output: 12:59:01
